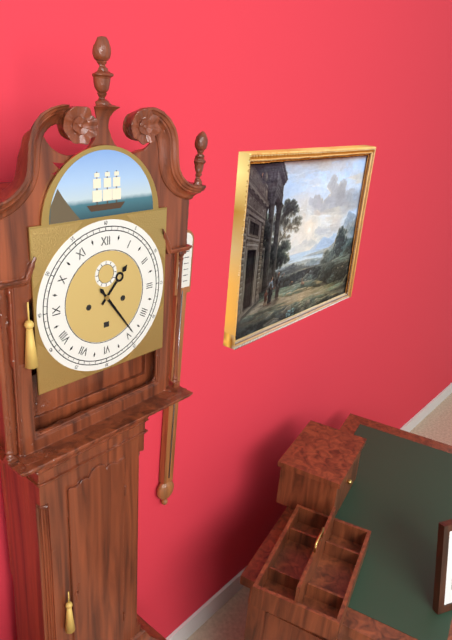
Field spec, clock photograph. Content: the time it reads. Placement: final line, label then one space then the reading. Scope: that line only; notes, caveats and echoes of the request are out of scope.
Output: 1:24
